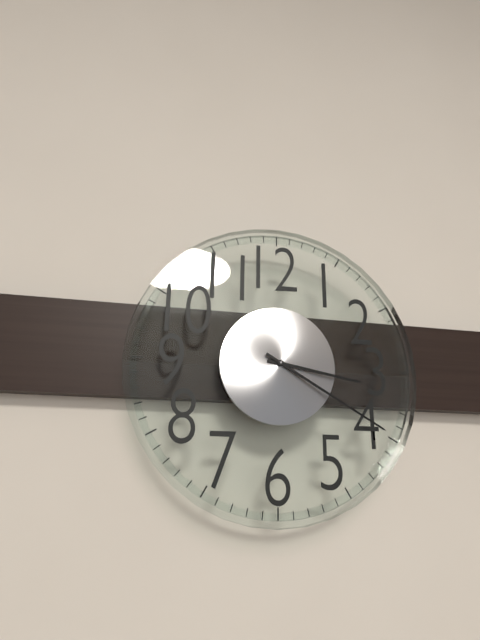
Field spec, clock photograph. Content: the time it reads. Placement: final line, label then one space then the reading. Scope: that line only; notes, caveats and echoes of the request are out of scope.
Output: 3:20
